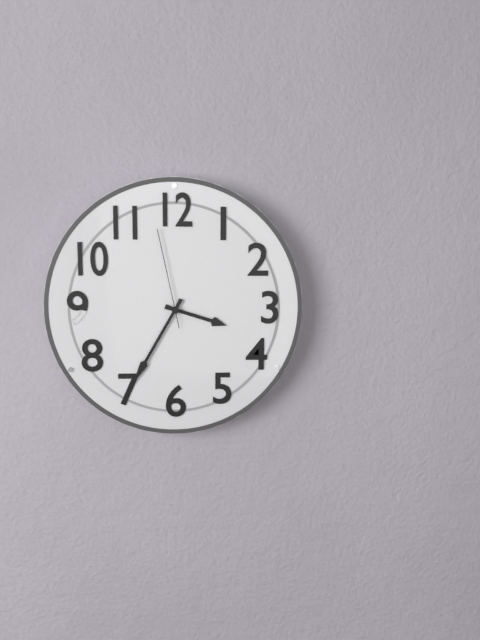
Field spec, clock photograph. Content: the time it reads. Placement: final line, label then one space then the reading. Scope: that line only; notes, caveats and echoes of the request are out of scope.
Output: 3:35:58
